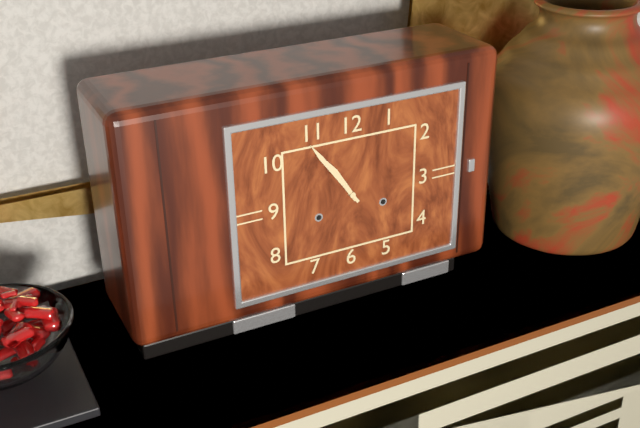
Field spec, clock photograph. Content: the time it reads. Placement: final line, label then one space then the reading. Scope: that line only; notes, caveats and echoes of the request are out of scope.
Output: 10:54
